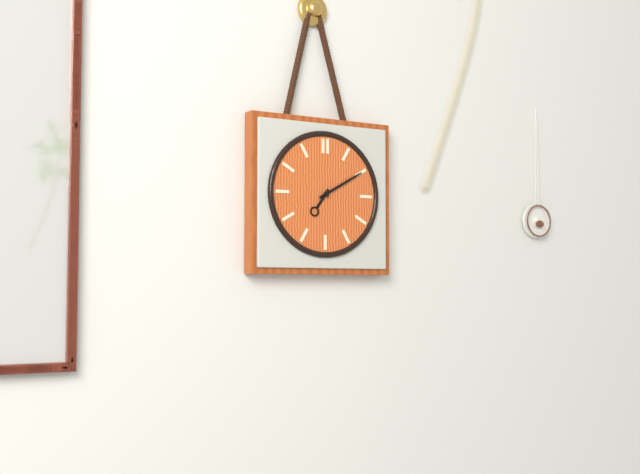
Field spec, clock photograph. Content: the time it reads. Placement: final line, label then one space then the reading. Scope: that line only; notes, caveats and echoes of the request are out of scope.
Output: 7:10
